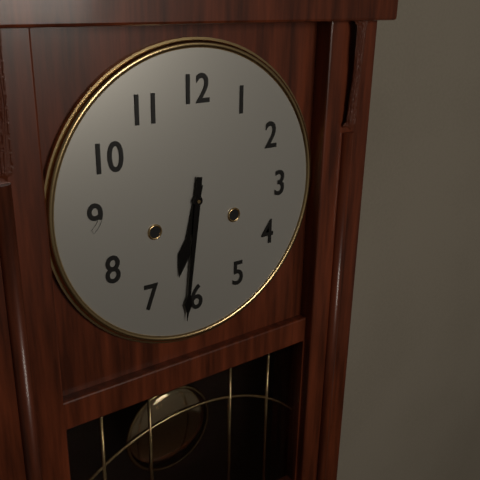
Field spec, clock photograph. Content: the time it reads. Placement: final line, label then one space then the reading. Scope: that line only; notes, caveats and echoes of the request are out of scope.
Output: 6:31
